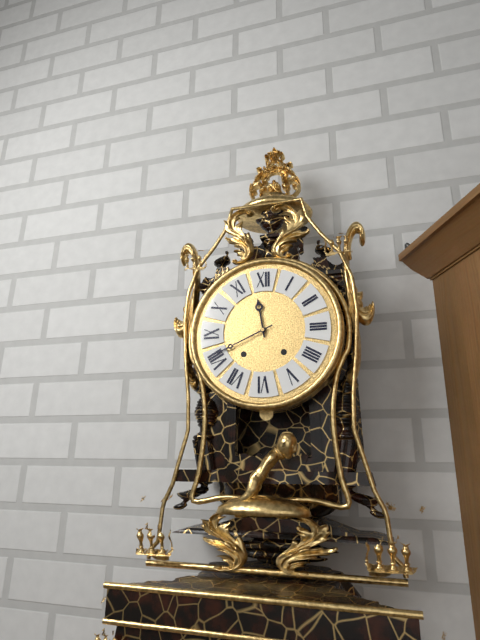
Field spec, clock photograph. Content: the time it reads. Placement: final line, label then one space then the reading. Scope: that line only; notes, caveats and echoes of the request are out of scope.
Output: 11:41
